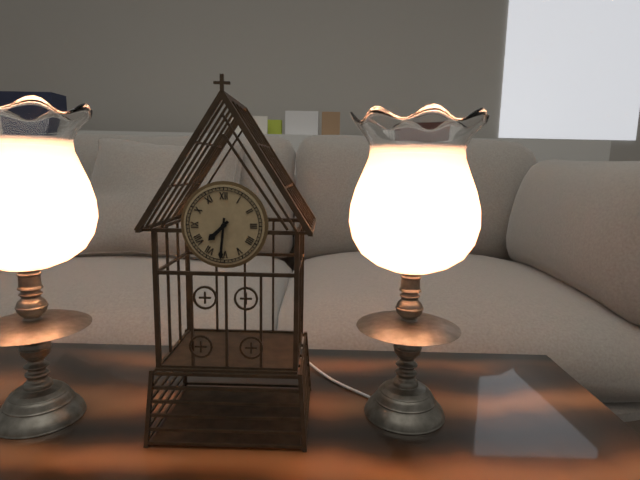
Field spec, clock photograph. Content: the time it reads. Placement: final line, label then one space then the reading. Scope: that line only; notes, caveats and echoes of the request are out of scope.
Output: 7:31
